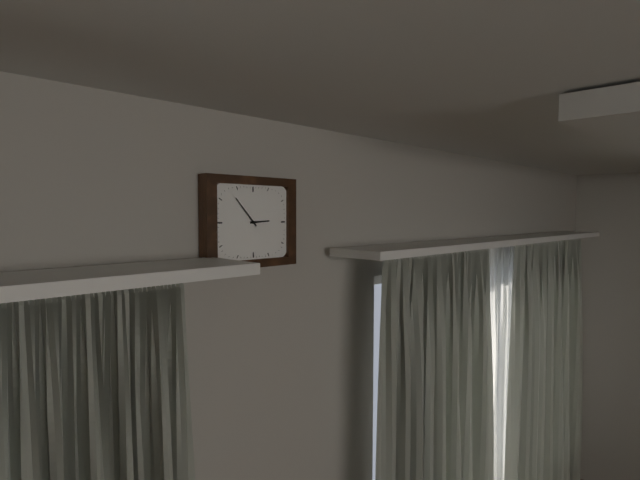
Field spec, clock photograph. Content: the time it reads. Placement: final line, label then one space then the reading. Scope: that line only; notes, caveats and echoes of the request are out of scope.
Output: 2:53
